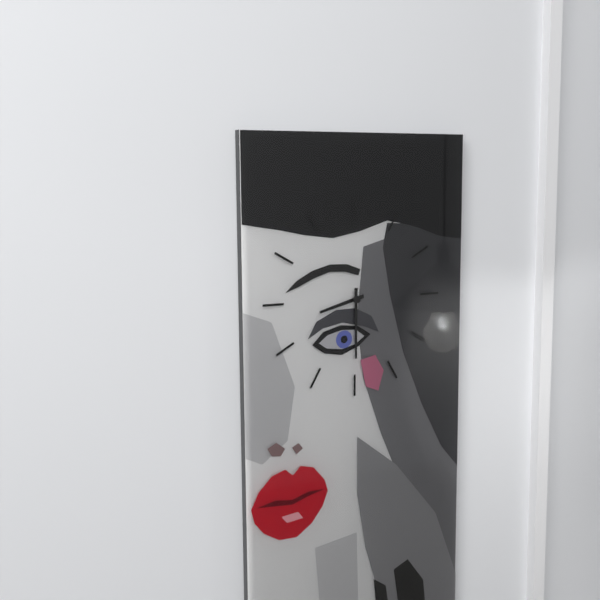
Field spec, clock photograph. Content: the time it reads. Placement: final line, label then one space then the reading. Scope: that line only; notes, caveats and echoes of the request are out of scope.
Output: 8:30
